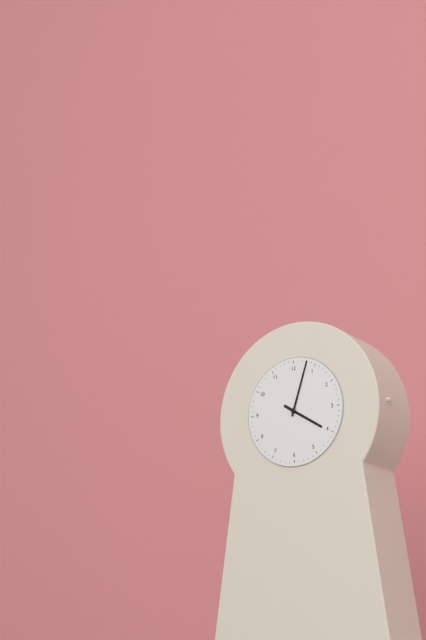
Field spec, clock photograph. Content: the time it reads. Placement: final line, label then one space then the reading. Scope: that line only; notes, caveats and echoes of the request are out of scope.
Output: 4:03
